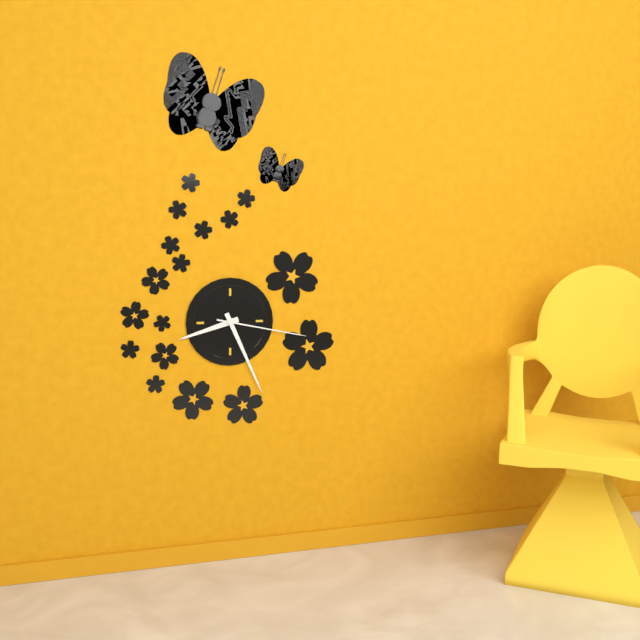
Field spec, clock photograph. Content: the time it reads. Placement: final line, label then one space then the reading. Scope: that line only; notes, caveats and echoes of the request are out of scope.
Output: 8:26:17
